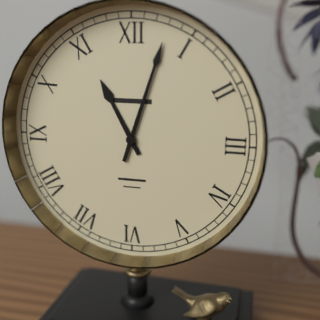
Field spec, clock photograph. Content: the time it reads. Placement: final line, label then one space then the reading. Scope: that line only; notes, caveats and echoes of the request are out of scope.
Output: 11:03
